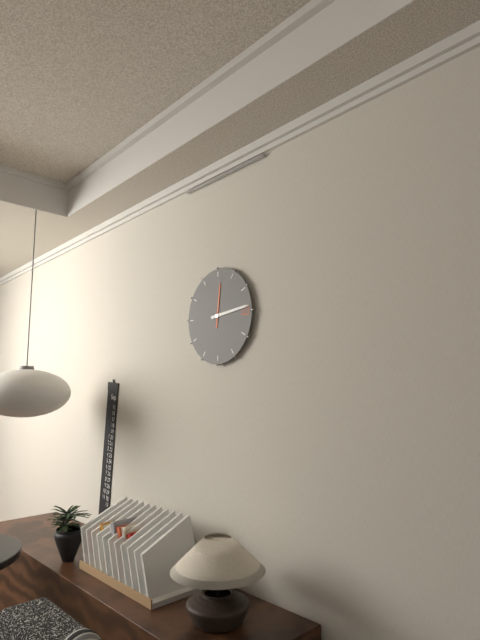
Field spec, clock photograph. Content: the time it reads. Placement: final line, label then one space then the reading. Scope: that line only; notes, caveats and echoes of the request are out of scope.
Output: 12:14
